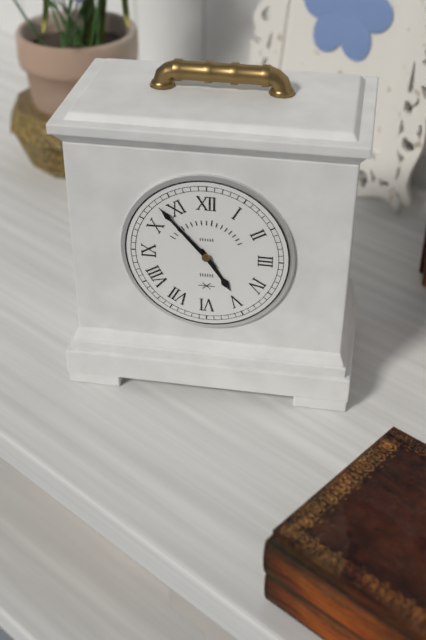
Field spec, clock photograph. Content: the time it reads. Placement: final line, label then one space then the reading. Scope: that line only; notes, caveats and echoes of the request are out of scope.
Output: 4:53
